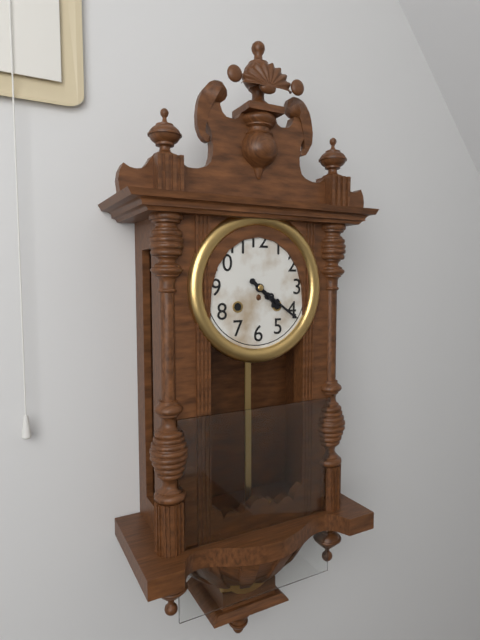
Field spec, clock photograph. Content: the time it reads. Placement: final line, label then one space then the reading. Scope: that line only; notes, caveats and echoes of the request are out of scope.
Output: 4:21
